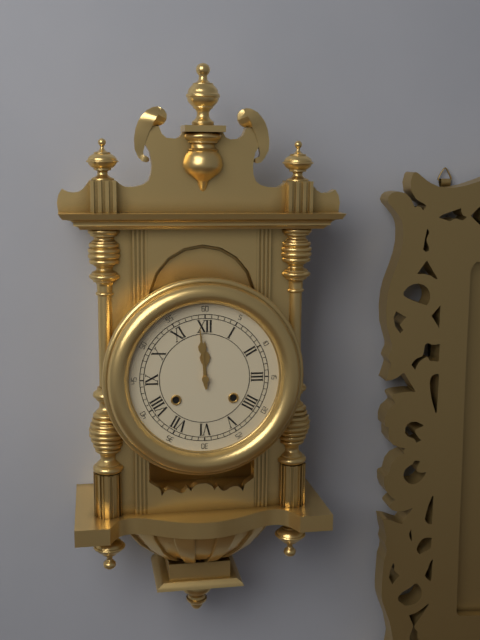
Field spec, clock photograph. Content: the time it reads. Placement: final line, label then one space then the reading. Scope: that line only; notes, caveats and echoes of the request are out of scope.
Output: 11:59
